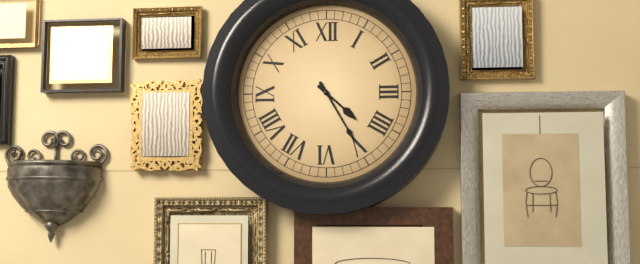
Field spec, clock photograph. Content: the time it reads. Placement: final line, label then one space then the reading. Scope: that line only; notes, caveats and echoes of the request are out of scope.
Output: 4:25
